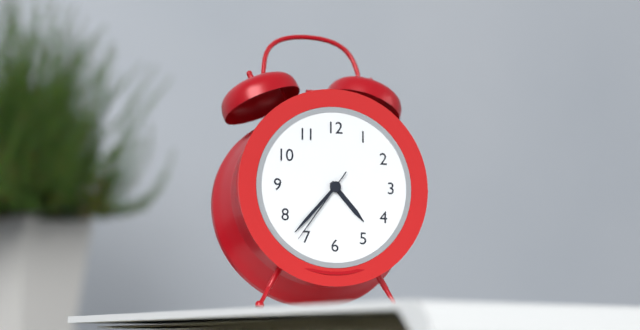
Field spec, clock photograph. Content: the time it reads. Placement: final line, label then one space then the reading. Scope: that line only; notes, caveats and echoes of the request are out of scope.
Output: 4:37:36
